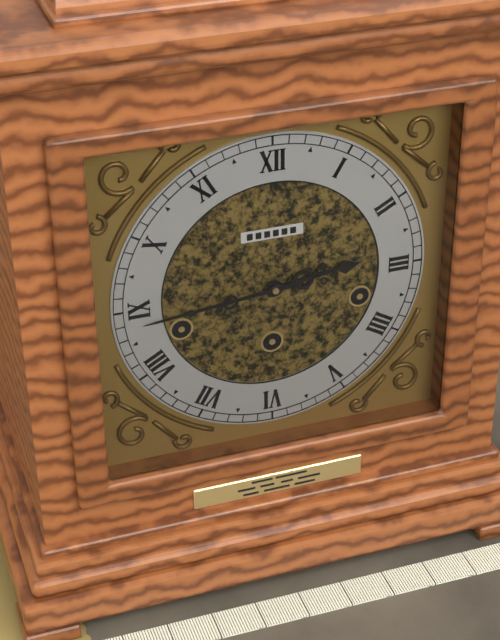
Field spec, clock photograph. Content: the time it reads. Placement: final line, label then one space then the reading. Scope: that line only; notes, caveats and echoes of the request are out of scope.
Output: 2:44
